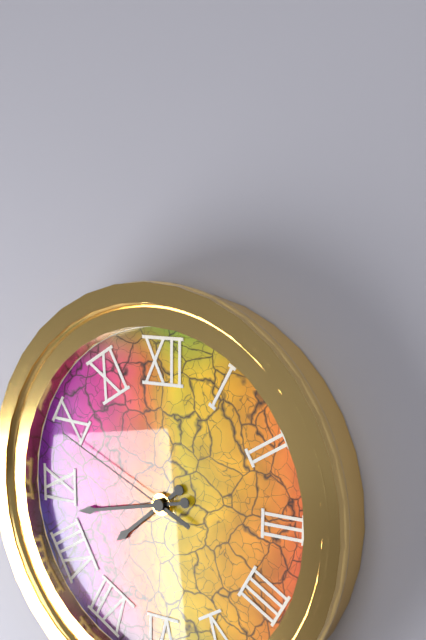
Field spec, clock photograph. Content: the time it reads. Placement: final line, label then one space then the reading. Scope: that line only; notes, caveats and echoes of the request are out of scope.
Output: 7:43:49
